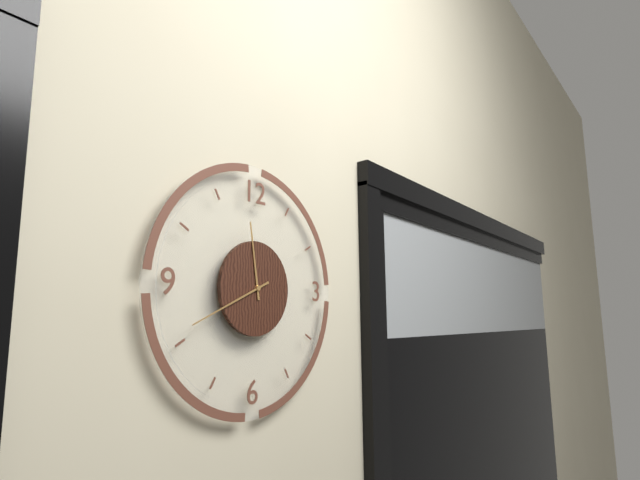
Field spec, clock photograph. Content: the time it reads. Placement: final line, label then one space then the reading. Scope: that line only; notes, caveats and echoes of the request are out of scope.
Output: 11:41
